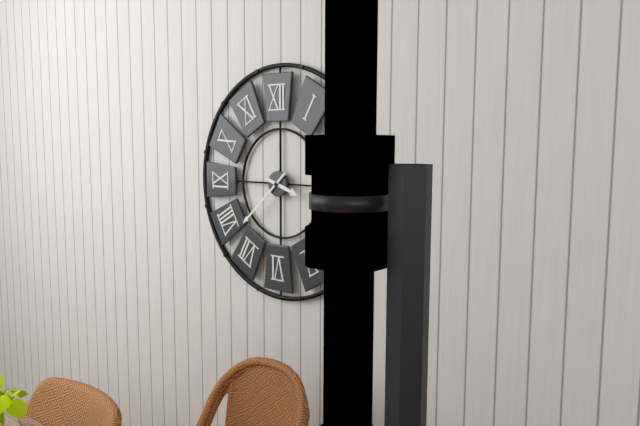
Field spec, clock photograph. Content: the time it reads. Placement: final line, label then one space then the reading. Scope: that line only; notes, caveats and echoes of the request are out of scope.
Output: 3:38
